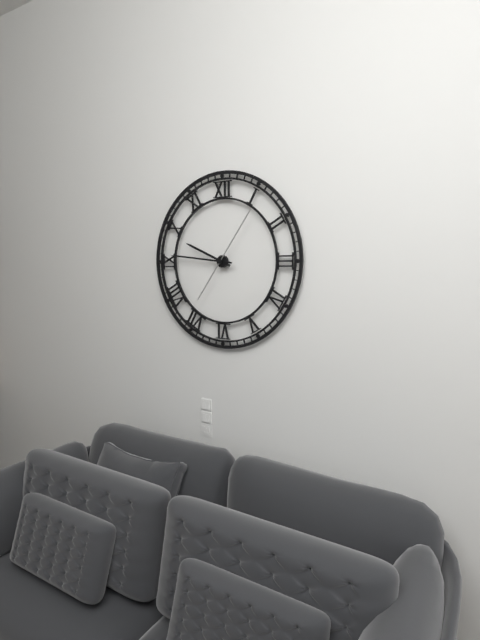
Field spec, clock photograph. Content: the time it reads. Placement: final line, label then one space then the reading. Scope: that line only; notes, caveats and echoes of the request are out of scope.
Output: 9:46:06
